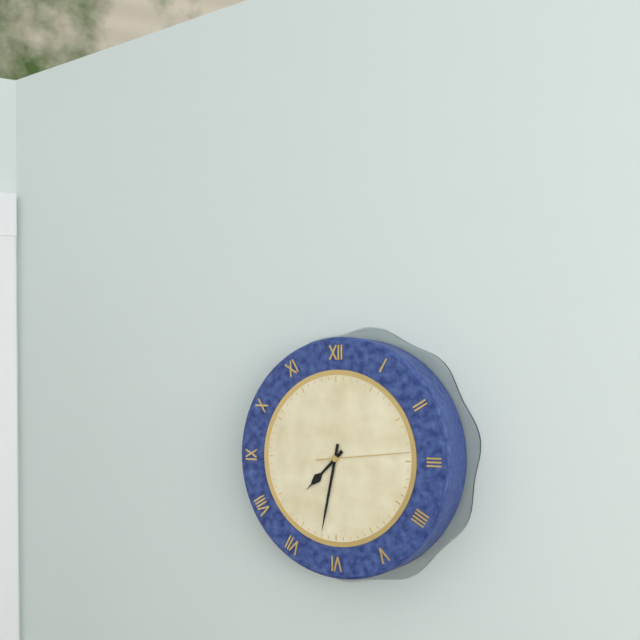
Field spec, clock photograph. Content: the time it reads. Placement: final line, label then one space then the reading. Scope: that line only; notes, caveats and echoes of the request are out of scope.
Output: 7:32:14
